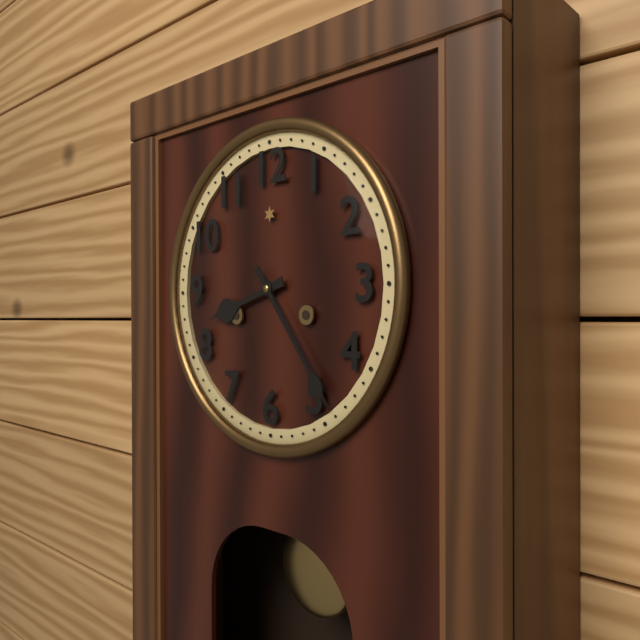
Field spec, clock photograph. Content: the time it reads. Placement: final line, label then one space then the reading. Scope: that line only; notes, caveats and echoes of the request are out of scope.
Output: 8:24
